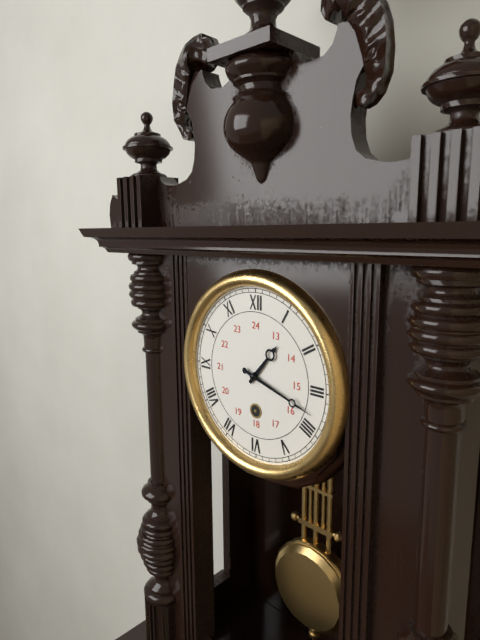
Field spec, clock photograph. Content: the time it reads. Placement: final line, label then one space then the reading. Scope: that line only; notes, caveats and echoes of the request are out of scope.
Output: 1:18
